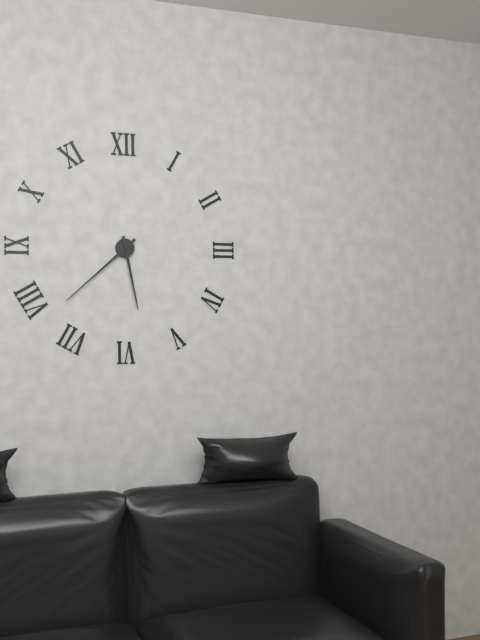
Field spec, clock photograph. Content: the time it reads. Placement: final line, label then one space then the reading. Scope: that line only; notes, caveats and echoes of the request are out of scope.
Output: 5:38
